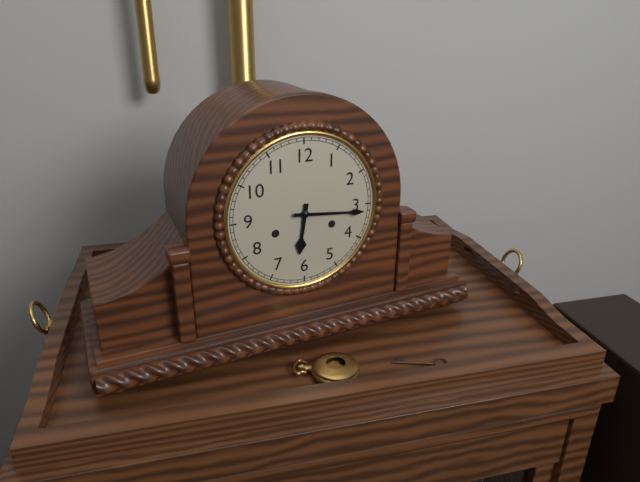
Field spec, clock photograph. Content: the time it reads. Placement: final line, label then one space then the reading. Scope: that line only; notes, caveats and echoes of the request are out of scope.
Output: 6:16
